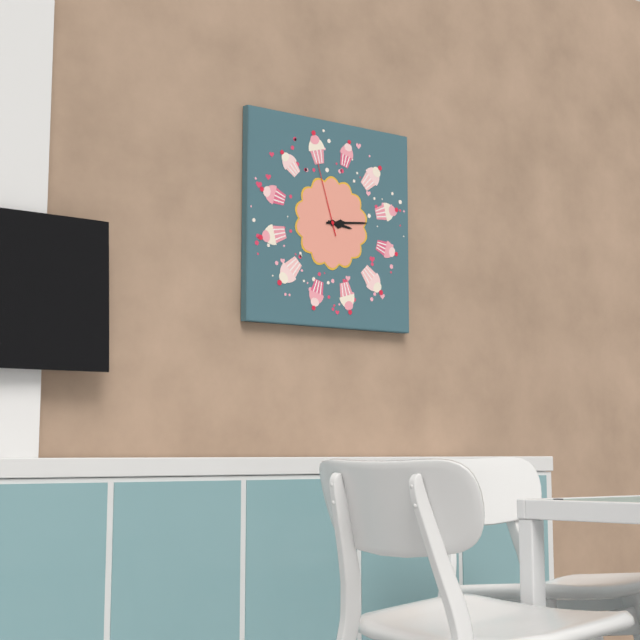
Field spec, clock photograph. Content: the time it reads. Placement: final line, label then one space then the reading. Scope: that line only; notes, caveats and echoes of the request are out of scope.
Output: 3:14:57
